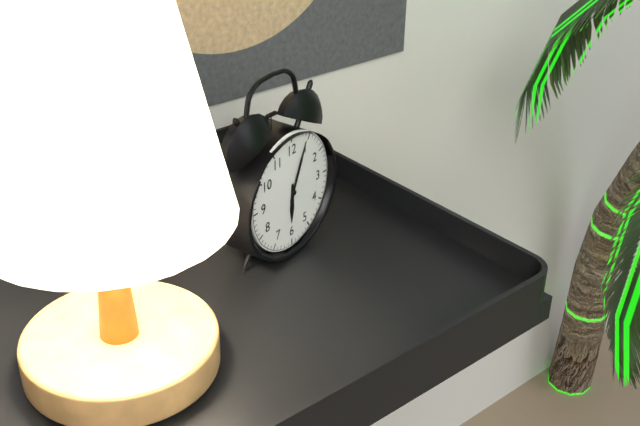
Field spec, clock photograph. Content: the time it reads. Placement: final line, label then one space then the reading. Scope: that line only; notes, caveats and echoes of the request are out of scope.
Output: 6:04
